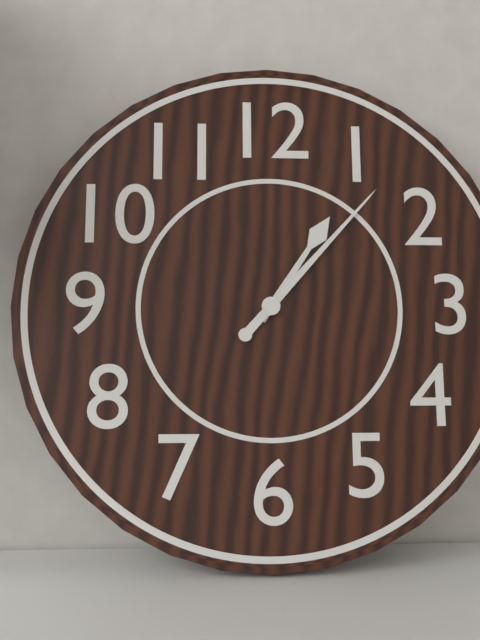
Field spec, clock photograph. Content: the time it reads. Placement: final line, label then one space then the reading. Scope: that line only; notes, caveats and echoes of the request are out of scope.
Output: 1:07
